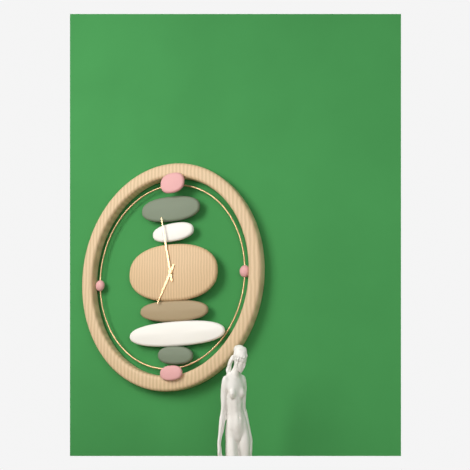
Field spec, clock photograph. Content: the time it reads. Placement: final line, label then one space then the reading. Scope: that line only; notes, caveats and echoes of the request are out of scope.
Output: 6:58
